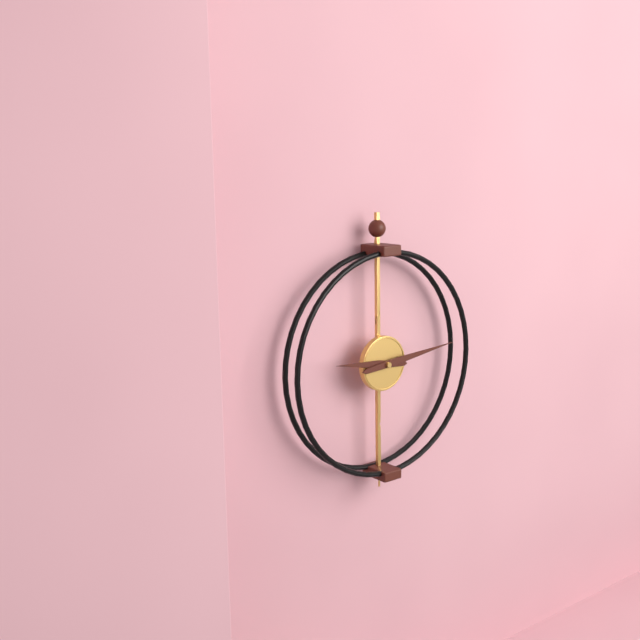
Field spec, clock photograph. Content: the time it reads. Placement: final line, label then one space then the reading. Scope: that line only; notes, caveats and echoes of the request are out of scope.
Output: 9:14
